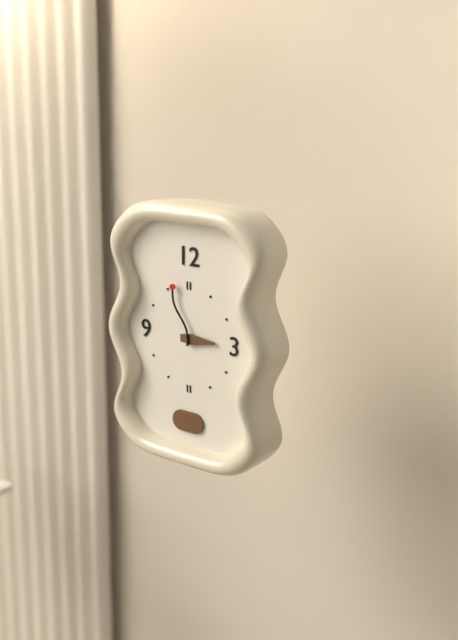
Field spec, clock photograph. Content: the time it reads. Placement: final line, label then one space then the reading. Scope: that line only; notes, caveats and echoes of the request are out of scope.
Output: 2:57
